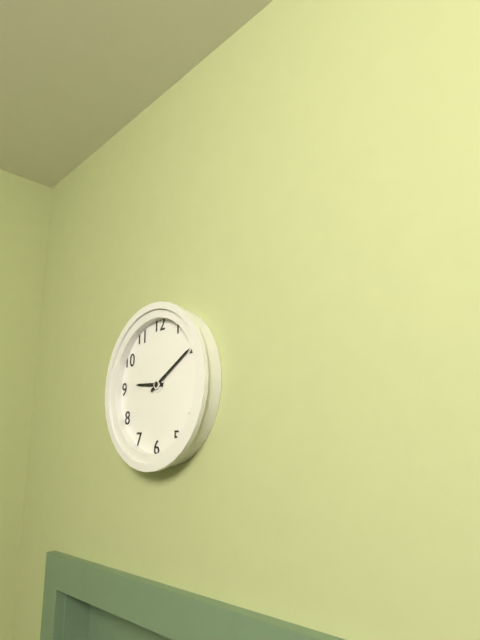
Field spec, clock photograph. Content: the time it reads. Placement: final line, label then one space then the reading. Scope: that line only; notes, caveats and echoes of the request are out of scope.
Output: 9:10
